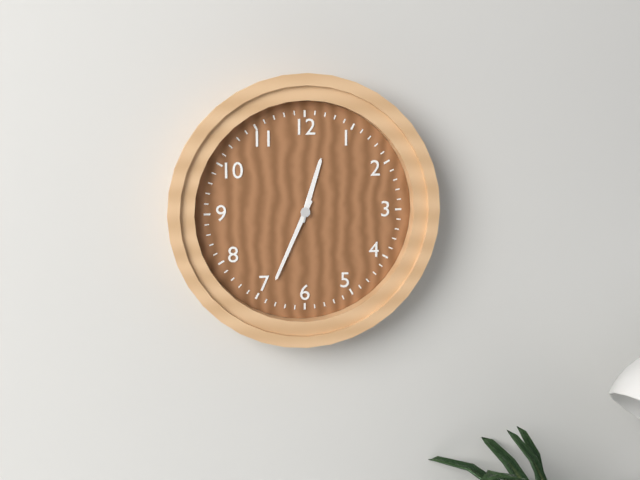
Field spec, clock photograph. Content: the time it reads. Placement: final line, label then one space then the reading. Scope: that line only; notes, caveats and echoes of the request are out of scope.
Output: 12:34
